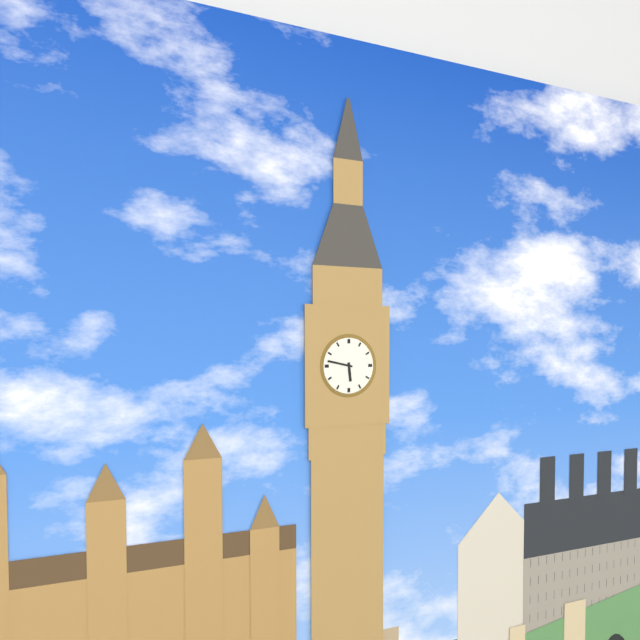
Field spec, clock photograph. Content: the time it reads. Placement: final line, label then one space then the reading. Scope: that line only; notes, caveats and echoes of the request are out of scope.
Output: 5:47
